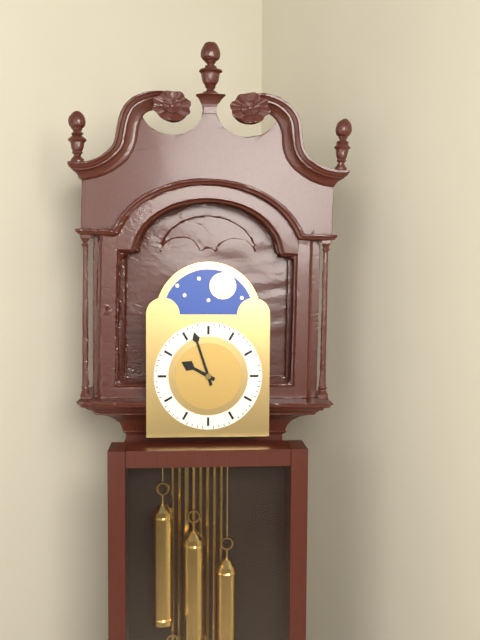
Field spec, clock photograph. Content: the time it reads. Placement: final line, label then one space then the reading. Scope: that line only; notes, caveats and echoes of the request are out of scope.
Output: 9:57
